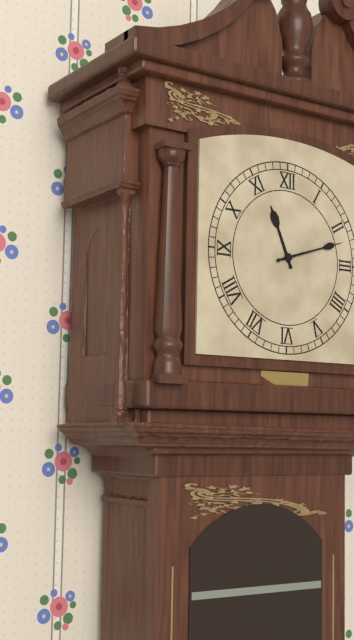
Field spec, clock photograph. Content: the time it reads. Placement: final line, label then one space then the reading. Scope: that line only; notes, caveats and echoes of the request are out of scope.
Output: 11:12
